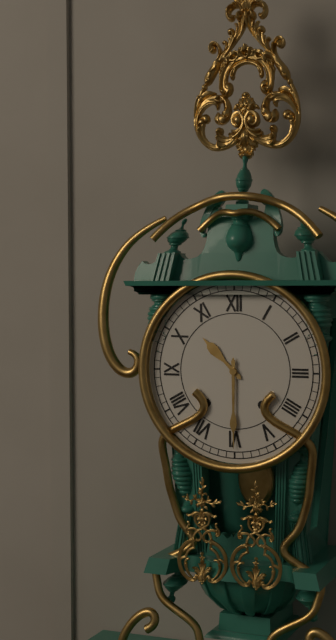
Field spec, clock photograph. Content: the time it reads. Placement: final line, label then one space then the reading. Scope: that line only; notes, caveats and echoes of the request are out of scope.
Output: 10:30
